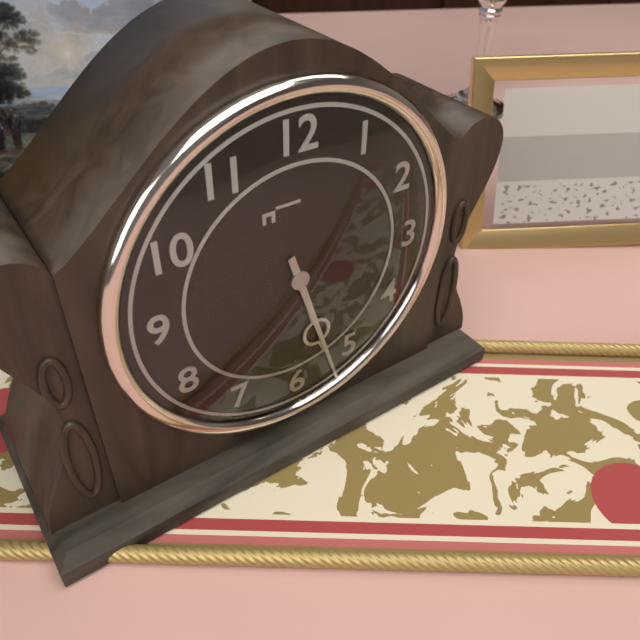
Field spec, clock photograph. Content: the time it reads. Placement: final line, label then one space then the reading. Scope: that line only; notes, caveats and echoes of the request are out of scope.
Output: 5:27
